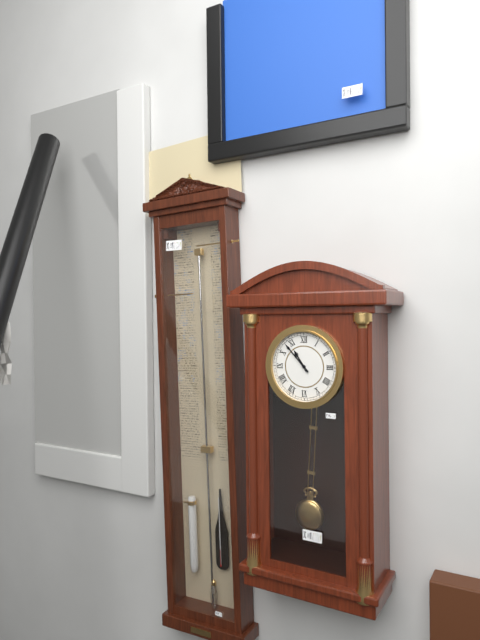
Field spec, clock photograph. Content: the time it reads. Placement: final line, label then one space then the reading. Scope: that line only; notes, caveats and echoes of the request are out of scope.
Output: 10:53
